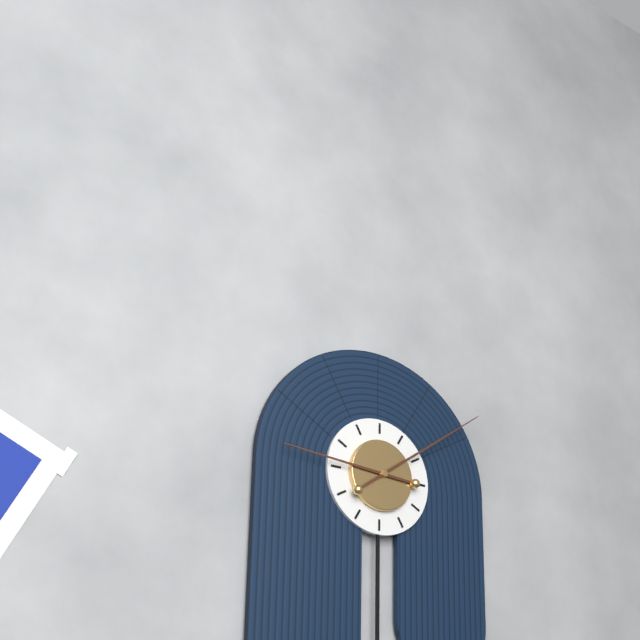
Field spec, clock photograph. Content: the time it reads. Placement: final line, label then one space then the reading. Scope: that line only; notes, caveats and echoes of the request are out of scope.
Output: 9:09
